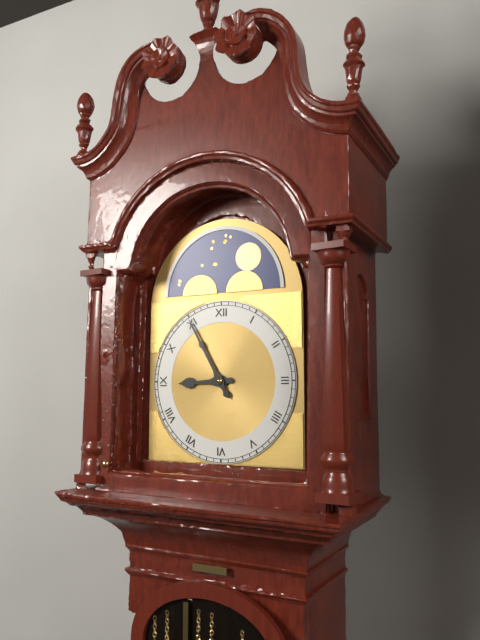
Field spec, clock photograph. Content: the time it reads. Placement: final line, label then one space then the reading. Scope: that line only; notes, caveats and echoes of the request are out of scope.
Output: 8:55
